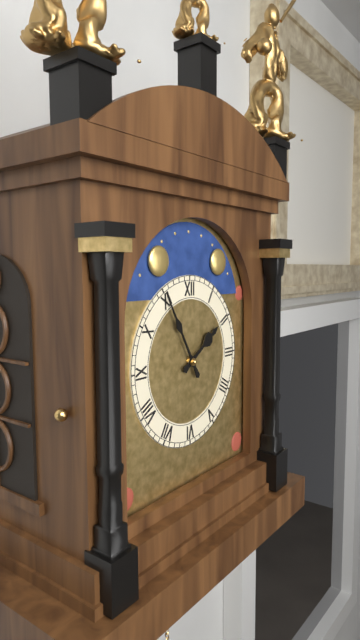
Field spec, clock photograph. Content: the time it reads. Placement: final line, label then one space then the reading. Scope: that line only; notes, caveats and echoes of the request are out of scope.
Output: 1:55
